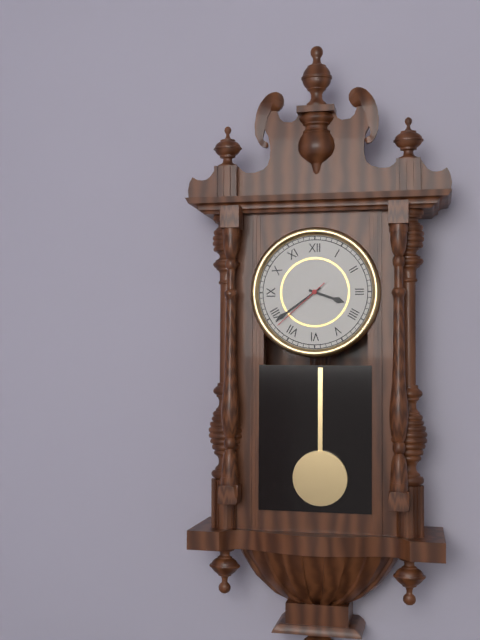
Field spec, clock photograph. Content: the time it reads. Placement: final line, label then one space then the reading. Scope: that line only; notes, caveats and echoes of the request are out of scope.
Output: 3:39:38
